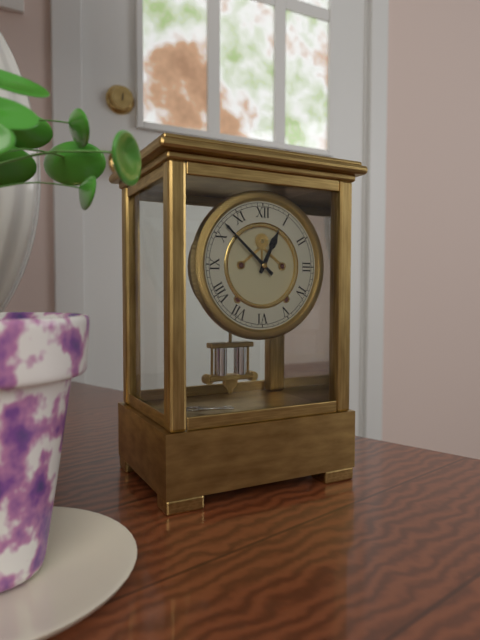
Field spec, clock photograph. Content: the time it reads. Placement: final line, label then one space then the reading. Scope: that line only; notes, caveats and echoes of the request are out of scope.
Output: 12:52
